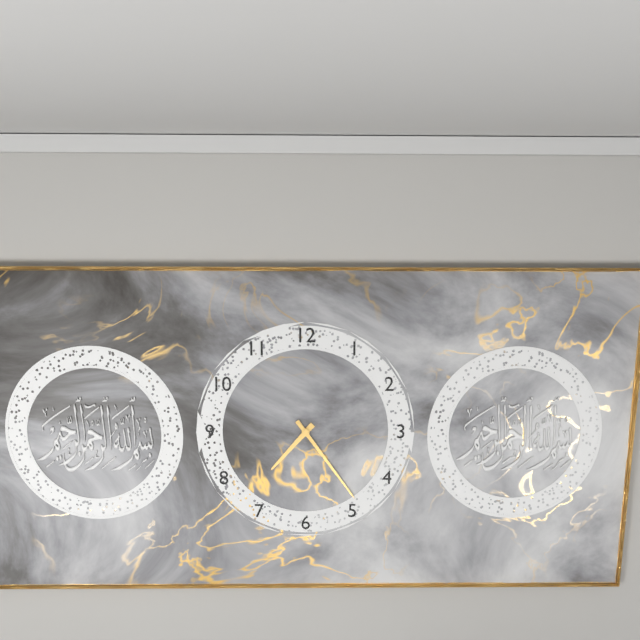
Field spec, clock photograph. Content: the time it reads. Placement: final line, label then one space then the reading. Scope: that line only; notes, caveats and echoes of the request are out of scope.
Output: 7:24
